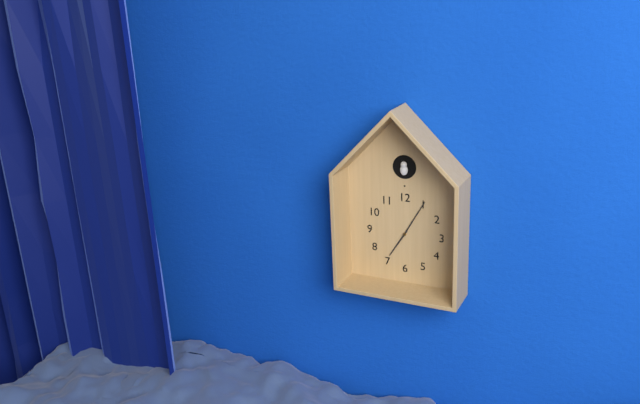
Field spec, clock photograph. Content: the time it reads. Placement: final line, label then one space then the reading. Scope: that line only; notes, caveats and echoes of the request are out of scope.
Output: 7:05
